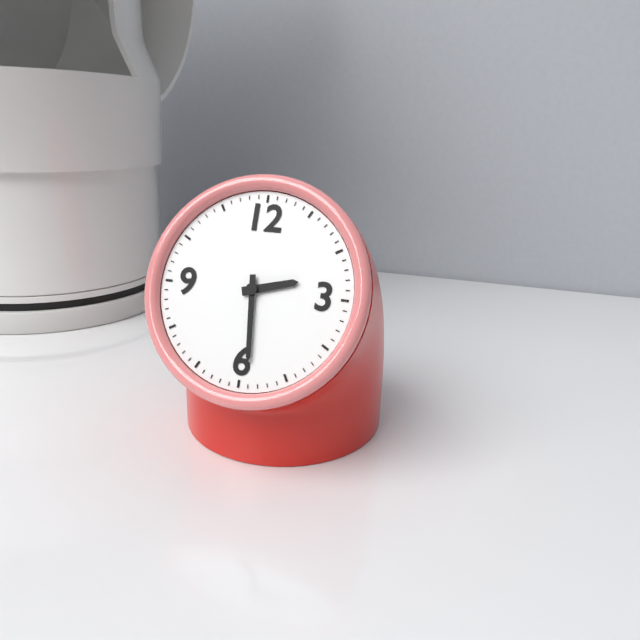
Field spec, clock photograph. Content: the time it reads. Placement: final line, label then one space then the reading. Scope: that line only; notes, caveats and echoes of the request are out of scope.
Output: 2:29
